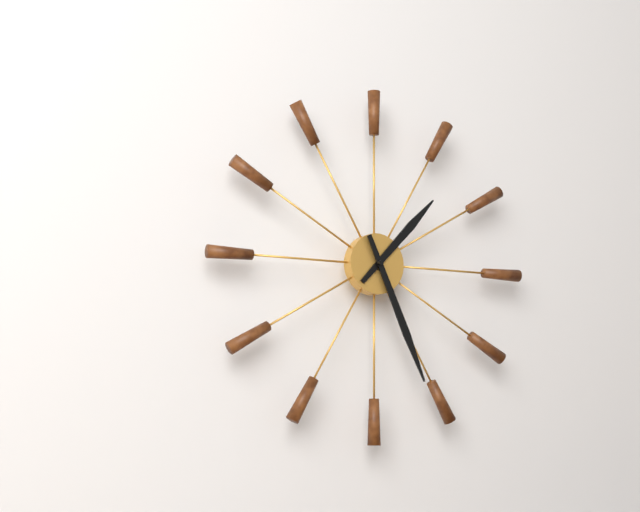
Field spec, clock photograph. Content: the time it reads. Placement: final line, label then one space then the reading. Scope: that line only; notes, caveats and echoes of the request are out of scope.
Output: 1:26
